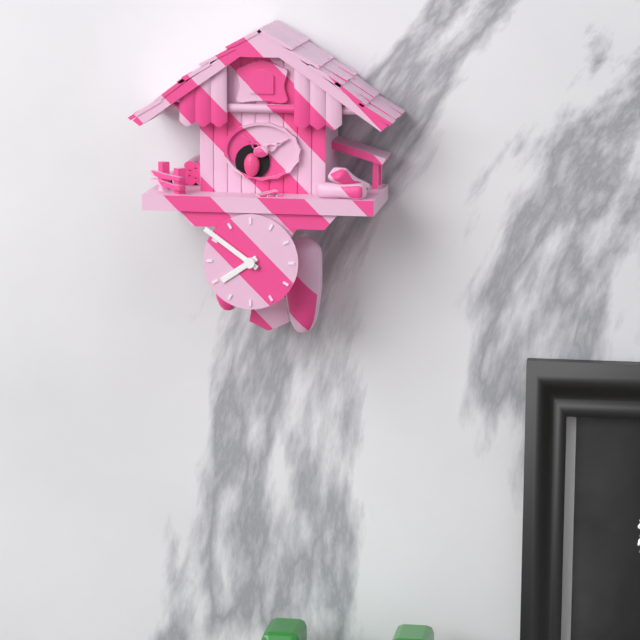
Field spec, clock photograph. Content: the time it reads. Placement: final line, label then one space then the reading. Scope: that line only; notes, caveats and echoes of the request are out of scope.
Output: 7:51
